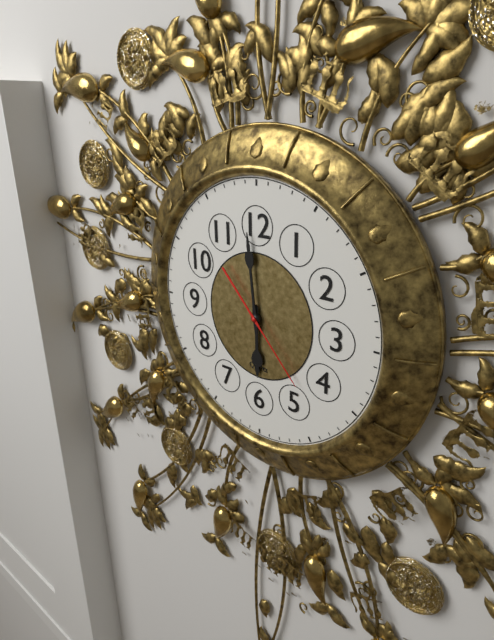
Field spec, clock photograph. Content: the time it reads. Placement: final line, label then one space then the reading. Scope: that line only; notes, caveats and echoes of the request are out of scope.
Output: 5:59:23
